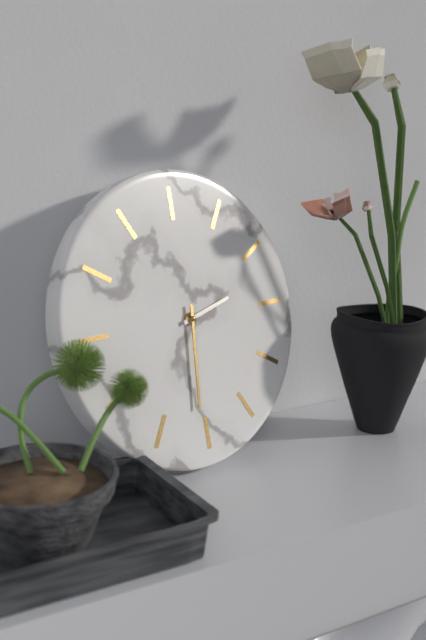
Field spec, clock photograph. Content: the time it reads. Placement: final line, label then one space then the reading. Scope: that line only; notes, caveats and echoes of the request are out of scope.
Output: 2:31
